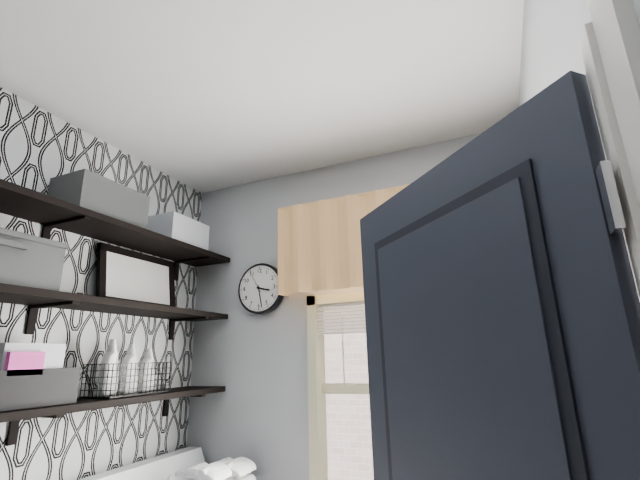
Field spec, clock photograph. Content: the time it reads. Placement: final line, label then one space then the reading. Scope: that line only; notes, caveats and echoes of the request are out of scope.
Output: 3:28
